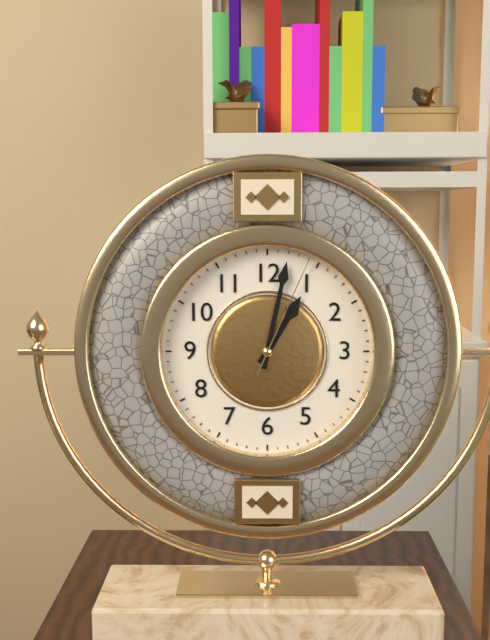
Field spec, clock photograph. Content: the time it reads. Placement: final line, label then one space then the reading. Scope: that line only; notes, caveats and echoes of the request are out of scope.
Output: 1:02:04
